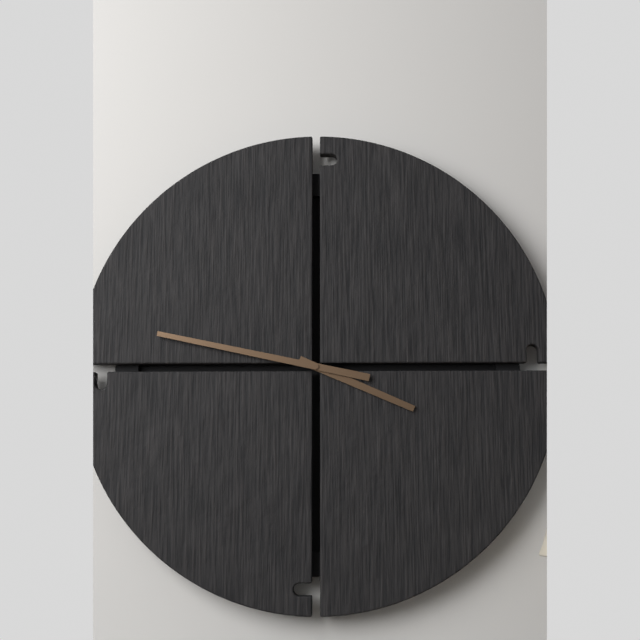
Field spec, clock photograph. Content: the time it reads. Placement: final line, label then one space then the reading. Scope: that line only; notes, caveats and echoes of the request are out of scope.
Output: 3:47
